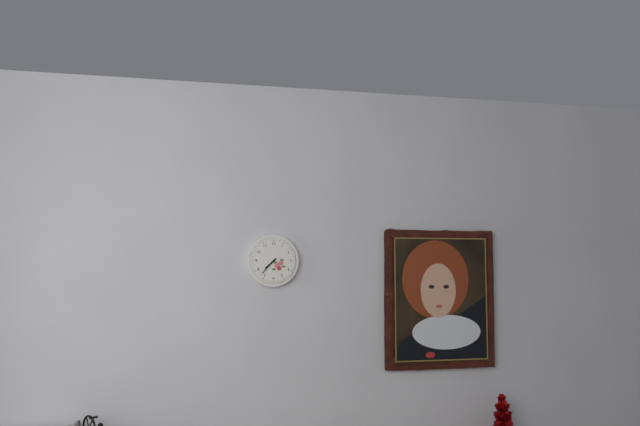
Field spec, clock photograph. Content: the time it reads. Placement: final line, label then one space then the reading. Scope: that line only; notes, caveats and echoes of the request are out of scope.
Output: 7:37
